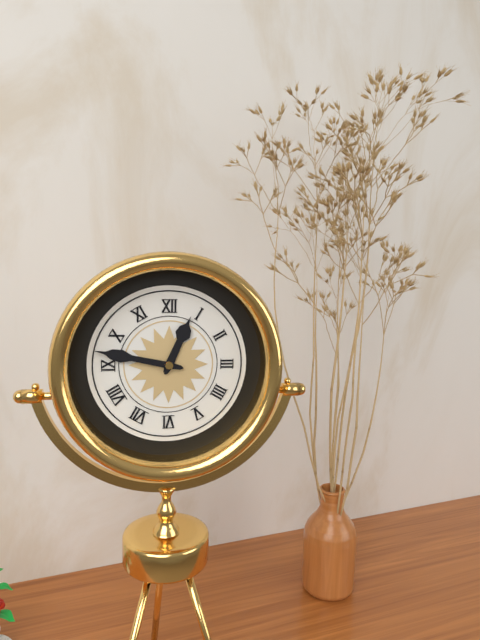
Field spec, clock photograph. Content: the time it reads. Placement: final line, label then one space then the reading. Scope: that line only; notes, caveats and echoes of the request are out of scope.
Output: 12:47
